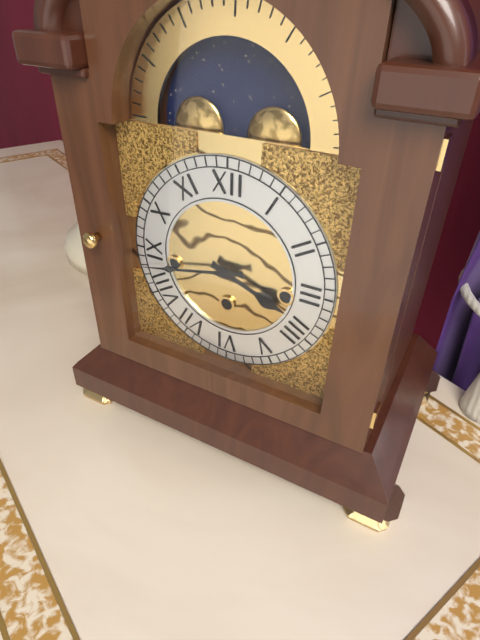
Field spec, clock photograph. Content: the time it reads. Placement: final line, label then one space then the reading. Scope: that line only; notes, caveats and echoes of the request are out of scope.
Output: 3:43
